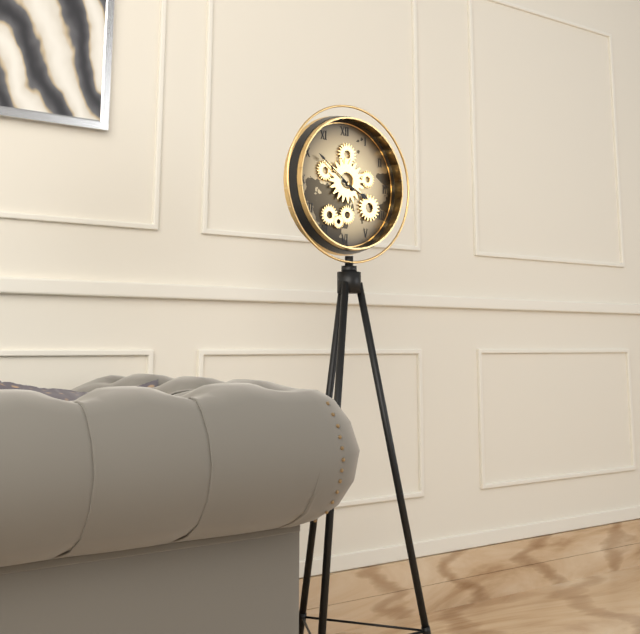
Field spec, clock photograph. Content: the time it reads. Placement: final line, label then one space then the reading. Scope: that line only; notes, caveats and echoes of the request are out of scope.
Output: 3:51
